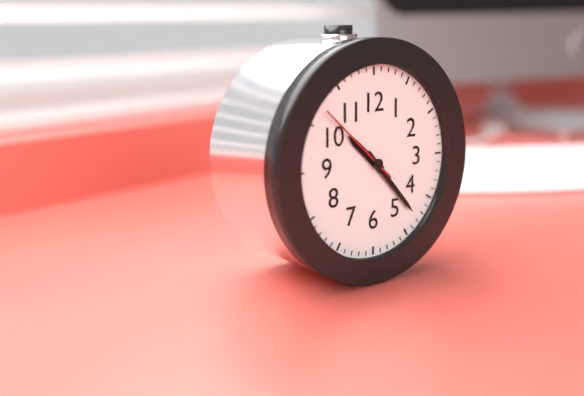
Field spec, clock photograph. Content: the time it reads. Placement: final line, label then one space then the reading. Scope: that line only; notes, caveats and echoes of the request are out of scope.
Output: 10:23:52
